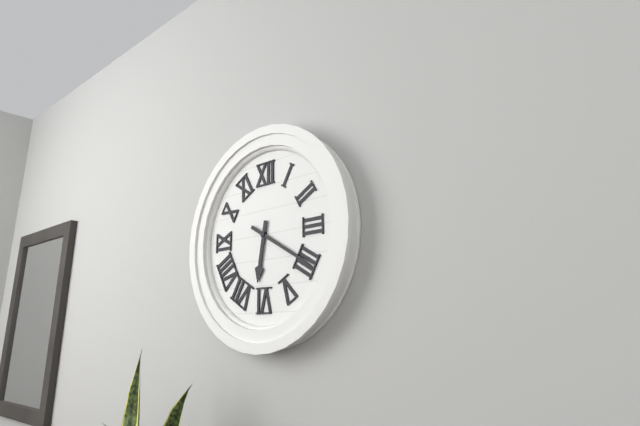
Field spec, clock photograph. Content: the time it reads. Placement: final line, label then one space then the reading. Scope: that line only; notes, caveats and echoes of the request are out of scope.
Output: 6:20
